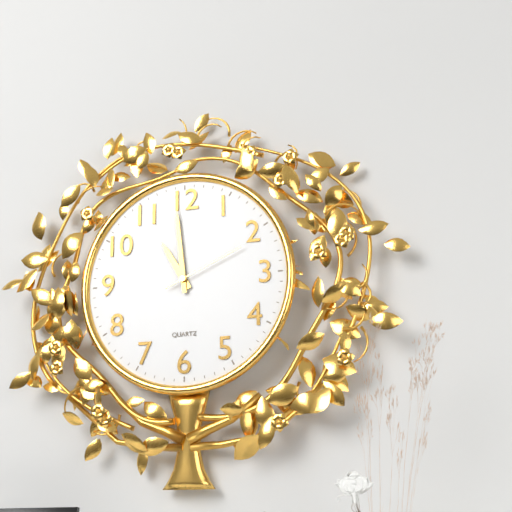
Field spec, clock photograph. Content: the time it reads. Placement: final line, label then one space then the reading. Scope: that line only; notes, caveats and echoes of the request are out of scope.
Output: 10:59:11
